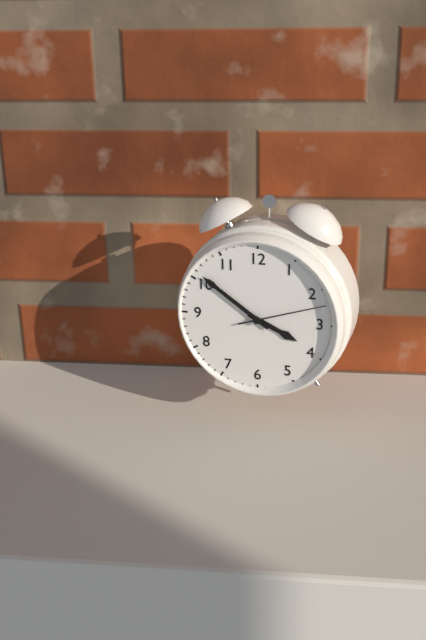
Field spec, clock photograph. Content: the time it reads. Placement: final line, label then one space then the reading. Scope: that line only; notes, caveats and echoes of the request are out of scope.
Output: 3:51:12
